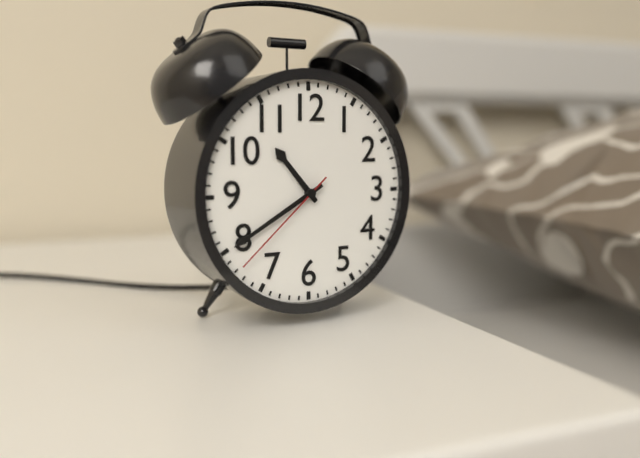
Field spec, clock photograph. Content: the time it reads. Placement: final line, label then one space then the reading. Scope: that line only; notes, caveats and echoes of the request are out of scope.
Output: 10:40:38
